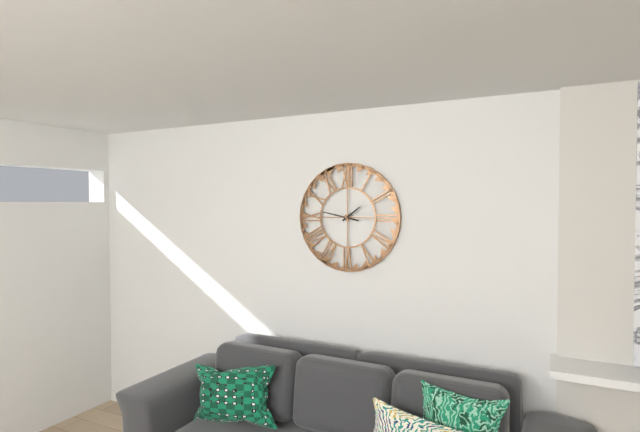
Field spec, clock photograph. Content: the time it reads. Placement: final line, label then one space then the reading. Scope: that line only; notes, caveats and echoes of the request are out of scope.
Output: 1:47
